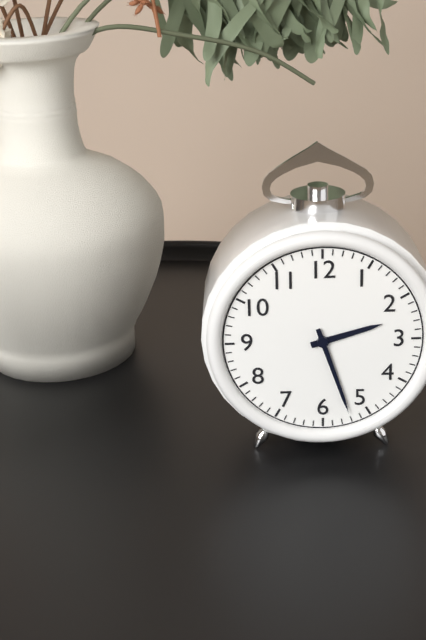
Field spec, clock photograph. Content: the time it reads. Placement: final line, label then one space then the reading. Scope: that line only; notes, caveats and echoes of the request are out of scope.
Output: 2:27
